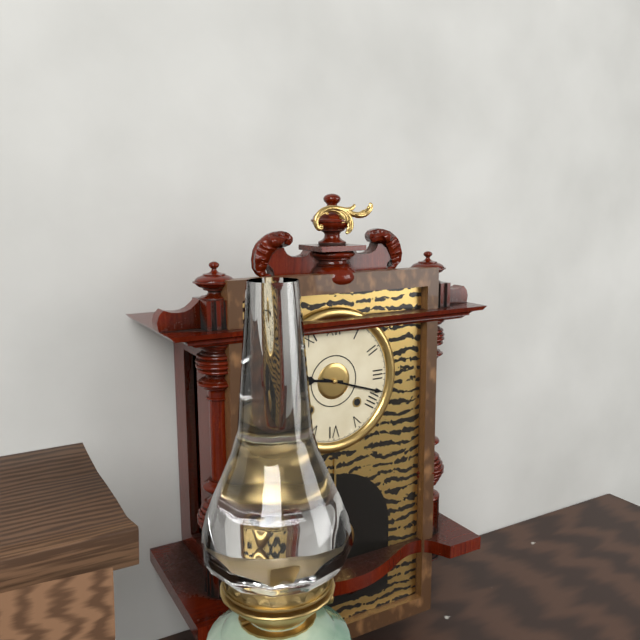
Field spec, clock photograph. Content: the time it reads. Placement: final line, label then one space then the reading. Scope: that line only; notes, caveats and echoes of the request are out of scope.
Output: 9:18
